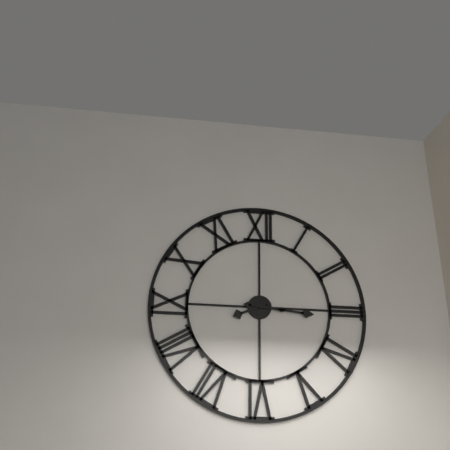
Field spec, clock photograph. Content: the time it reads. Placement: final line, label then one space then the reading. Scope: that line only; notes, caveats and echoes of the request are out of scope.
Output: 8:16
